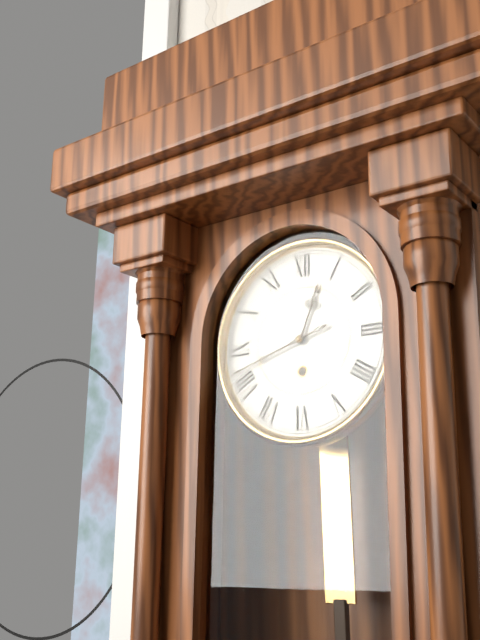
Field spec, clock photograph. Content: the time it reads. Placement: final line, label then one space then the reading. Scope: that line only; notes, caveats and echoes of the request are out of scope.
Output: 12:42
